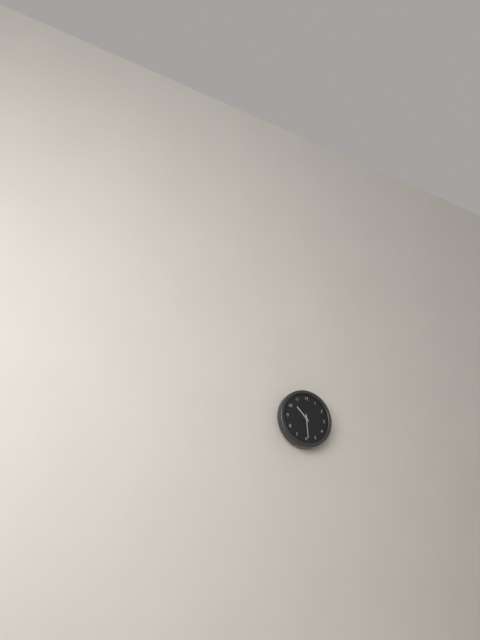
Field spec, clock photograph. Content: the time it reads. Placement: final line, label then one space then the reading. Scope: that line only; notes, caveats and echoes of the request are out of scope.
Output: 10:29
